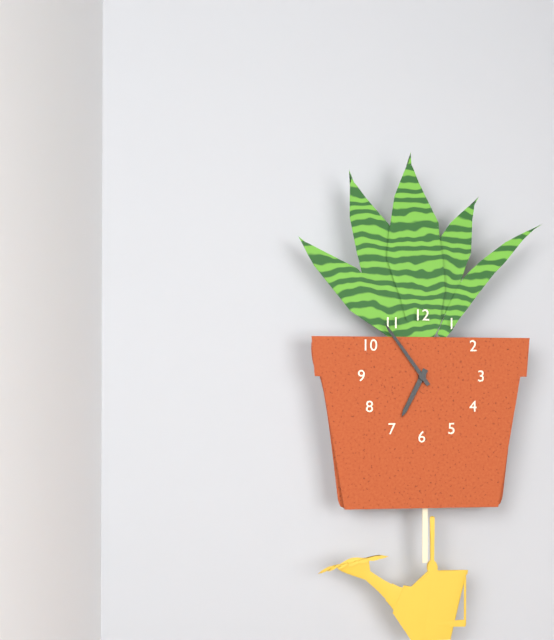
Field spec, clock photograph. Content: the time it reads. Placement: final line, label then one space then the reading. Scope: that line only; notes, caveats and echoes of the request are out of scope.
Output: 6:54
